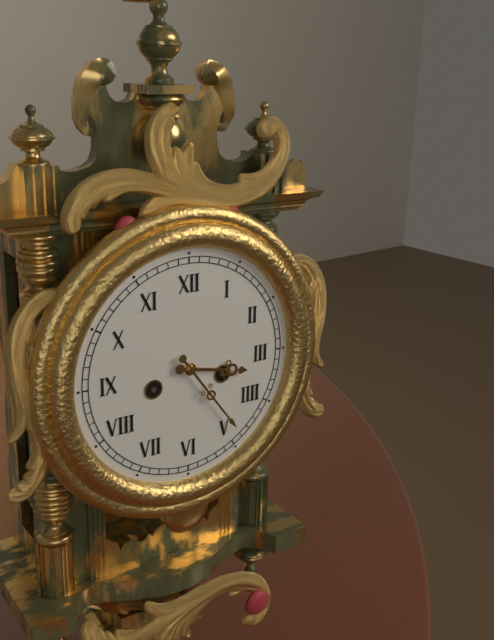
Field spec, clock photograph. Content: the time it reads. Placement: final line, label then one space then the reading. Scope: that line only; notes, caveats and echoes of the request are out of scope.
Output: 3:24
